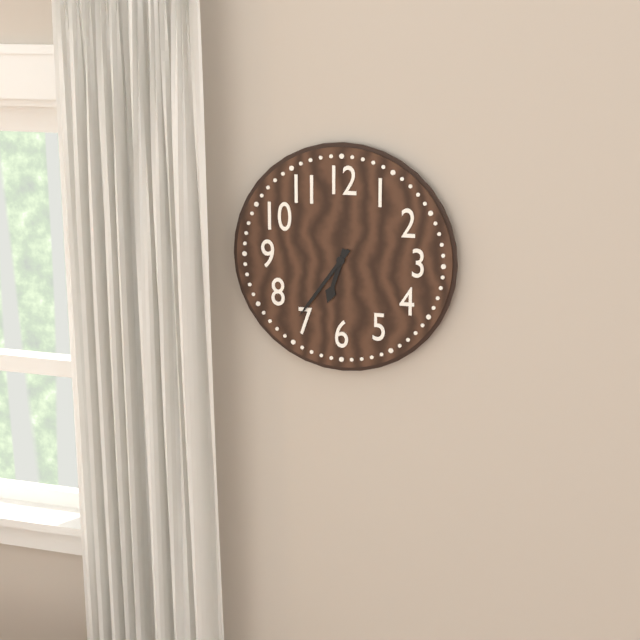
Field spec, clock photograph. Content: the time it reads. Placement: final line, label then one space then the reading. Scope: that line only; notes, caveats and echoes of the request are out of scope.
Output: 6:36
